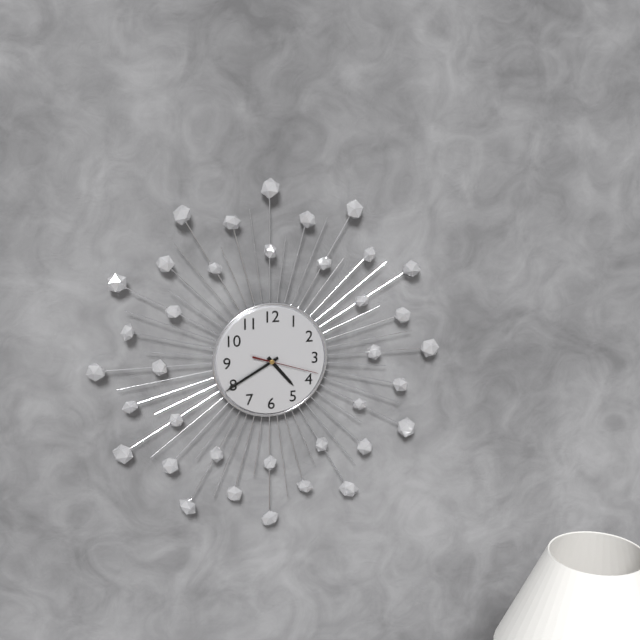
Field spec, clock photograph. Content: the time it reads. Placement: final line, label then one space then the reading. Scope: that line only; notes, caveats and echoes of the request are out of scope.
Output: 4:40:18
